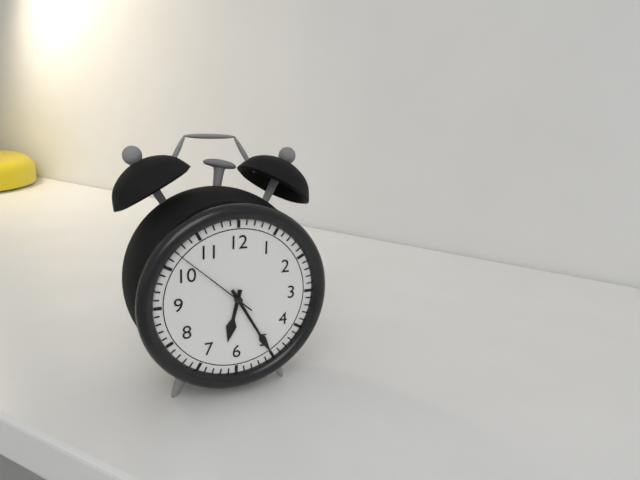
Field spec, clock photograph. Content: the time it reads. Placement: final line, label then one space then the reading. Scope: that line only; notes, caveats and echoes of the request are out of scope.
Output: 6:25:52
